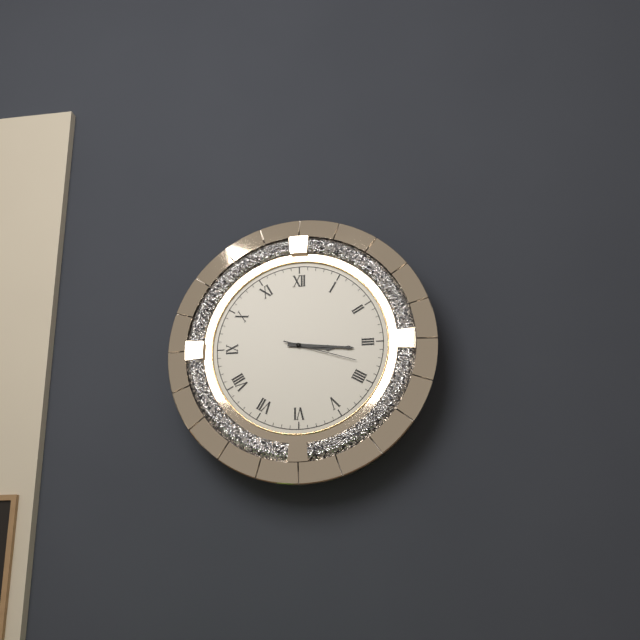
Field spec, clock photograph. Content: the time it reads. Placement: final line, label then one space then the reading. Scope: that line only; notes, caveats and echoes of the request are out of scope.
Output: 3:16:18
